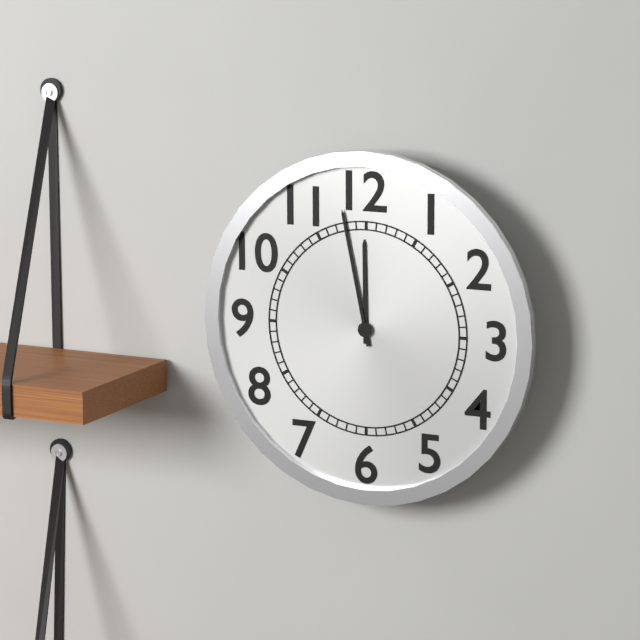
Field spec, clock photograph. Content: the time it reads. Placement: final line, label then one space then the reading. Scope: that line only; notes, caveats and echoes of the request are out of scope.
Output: 11:58
